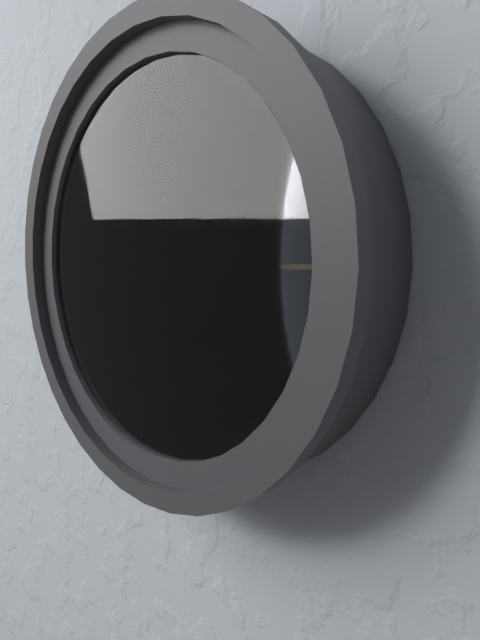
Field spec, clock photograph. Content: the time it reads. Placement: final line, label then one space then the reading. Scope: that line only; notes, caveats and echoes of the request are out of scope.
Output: 7:29:19
